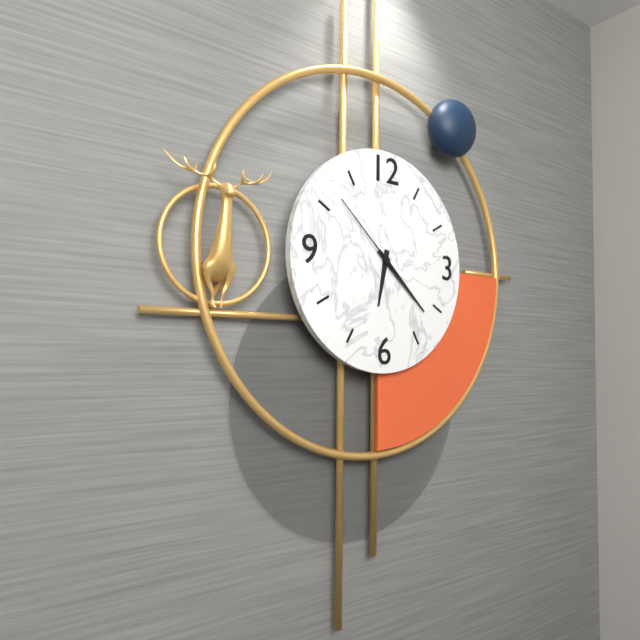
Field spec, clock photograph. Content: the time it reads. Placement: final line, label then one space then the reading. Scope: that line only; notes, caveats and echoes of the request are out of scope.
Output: 6:22:52
